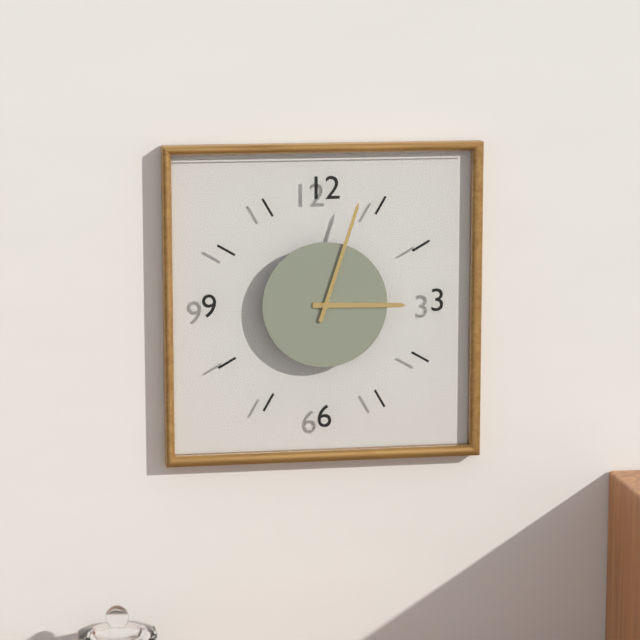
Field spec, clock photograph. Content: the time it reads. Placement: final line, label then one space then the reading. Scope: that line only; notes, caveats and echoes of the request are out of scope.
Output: 3:03
